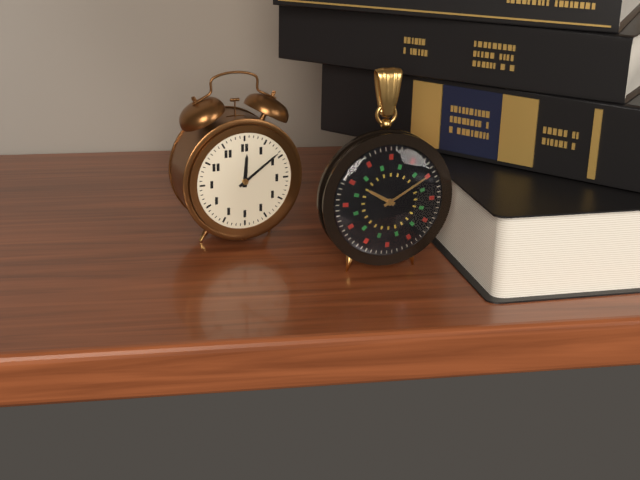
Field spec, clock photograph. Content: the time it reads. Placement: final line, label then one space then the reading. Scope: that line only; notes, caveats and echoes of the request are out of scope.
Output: 12:09
